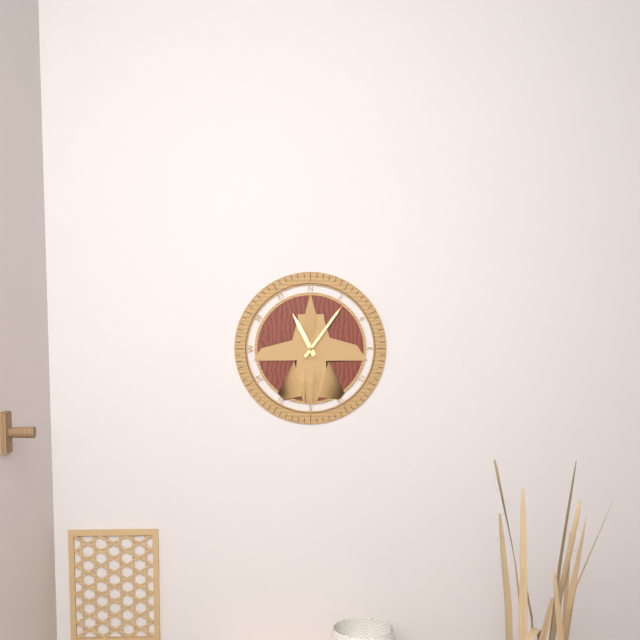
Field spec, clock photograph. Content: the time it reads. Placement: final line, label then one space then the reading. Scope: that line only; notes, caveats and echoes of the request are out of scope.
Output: 11:06
